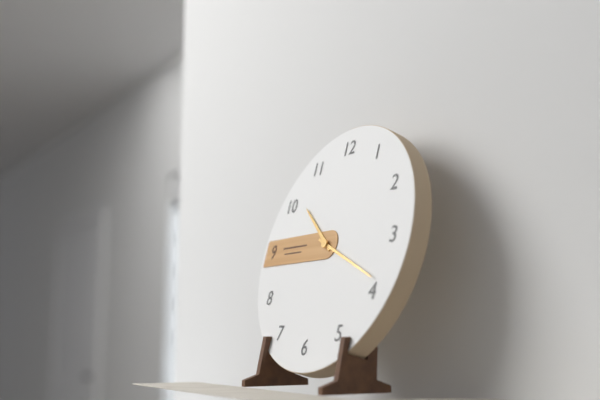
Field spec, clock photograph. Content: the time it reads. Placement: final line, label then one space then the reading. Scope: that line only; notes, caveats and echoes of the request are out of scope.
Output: 10:19
